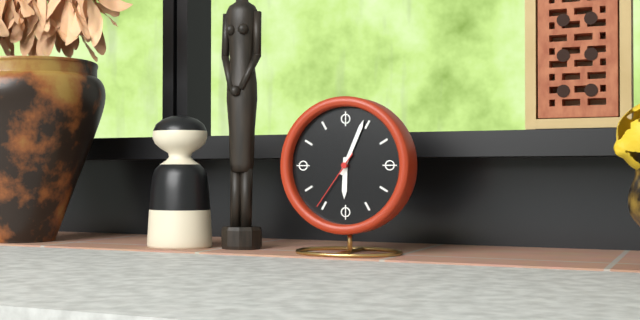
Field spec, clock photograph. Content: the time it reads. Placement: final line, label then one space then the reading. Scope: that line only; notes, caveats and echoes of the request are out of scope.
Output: 6:04:36
